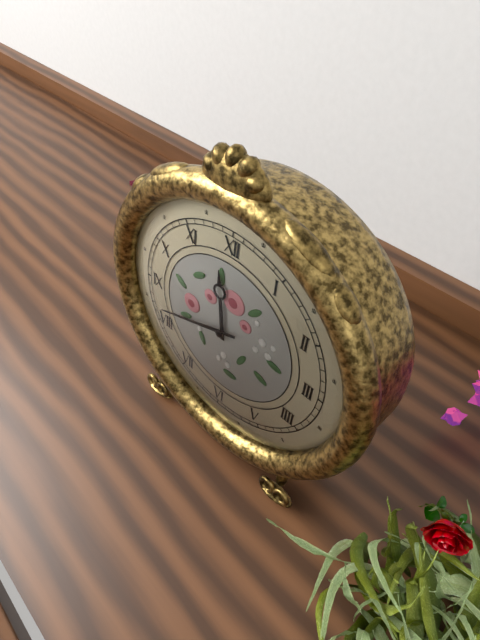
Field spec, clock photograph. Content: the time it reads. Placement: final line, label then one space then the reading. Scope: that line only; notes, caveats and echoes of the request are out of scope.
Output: 11:42
